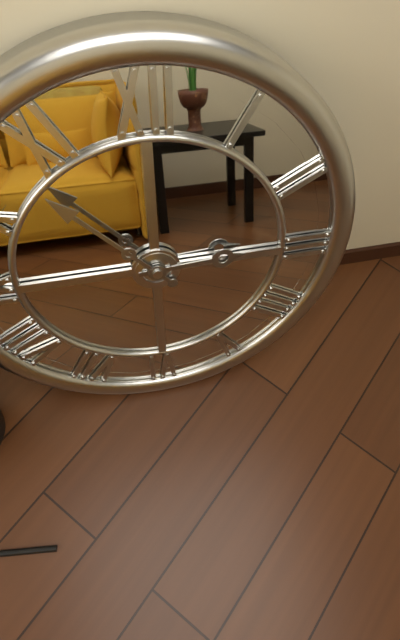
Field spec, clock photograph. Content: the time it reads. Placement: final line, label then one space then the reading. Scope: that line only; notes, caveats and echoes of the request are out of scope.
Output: 2:53
